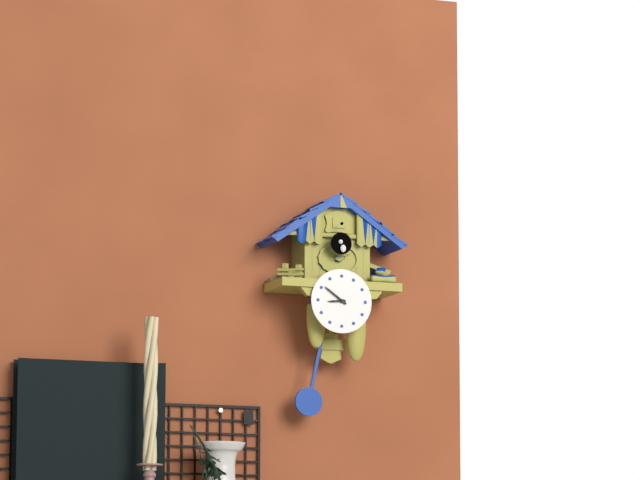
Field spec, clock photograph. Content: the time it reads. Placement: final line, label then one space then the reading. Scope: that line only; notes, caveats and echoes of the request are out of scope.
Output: 8:51
